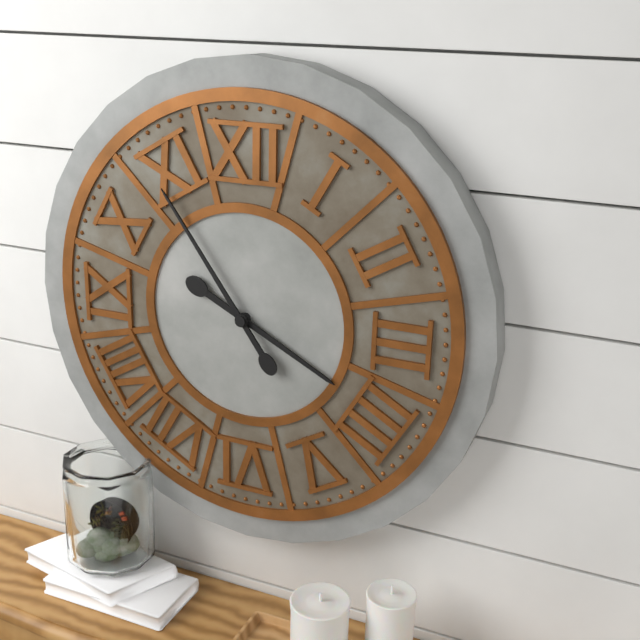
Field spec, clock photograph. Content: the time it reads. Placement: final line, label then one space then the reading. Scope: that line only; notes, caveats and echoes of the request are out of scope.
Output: 3:54
